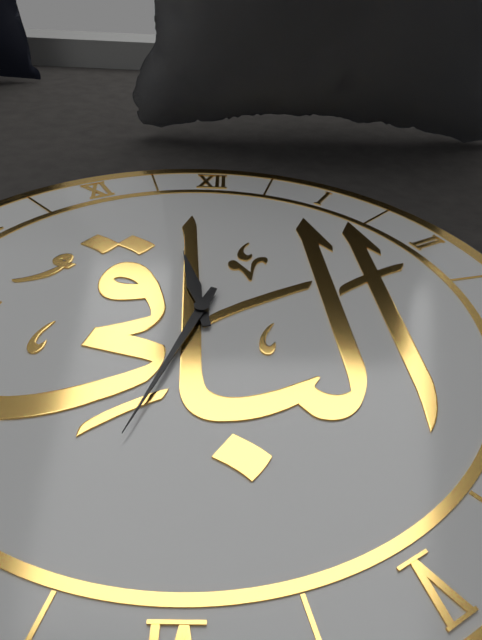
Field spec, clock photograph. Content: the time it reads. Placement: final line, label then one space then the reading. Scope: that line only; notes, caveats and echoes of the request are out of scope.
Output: 11:33
